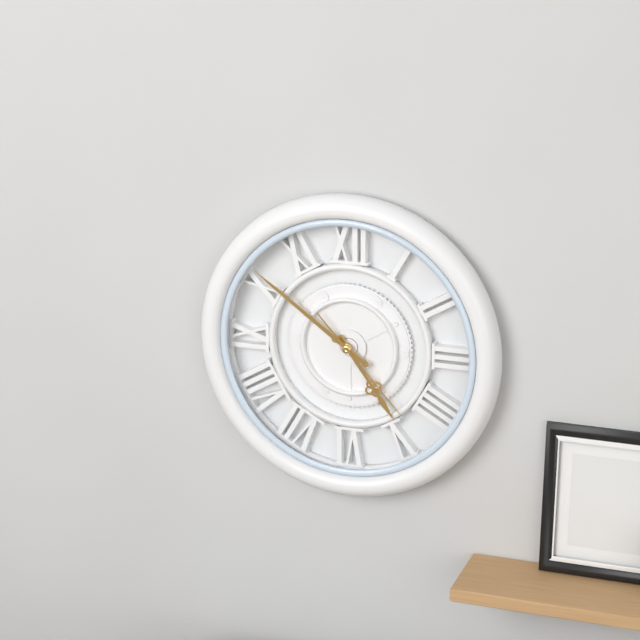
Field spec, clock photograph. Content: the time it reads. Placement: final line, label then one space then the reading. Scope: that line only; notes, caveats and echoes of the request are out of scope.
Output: 4:51:23
